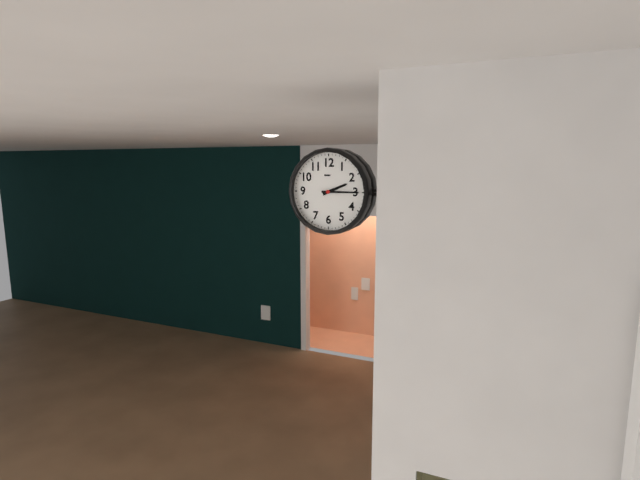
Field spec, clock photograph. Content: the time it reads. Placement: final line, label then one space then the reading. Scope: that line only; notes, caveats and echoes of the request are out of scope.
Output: 2:15
